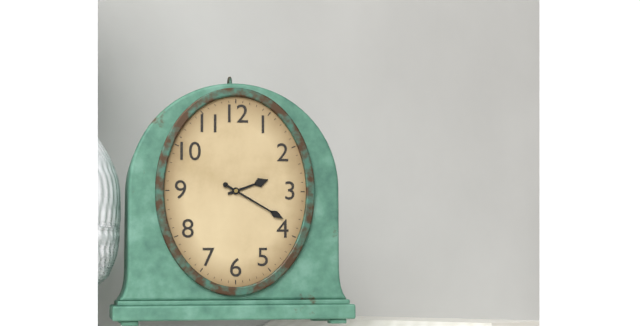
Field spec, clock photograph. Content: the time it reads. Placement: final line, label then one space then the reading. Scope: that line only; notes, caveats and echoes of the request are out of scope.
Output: 2:20
